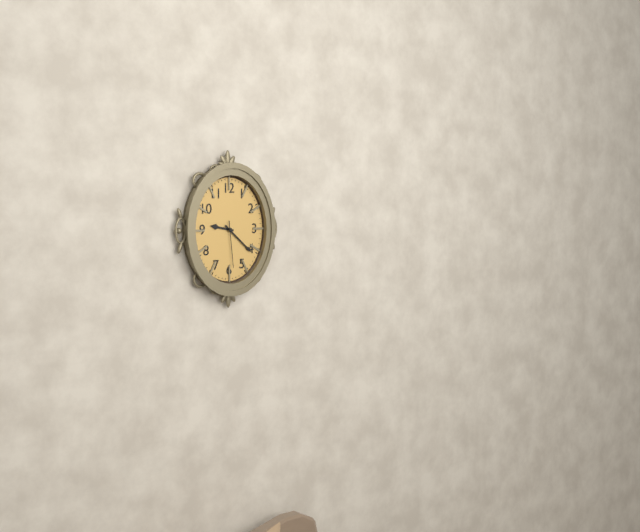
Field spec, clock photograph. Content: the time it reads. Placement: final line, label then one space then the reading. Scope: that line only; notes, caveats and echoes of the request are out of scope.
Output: 9:22
